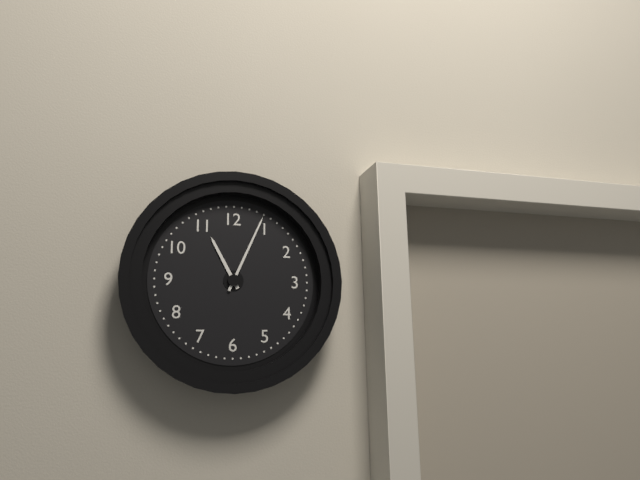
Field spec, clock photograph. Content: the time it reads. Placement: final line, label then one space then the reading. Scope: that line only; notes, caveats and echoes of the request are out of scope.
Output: 11:04
